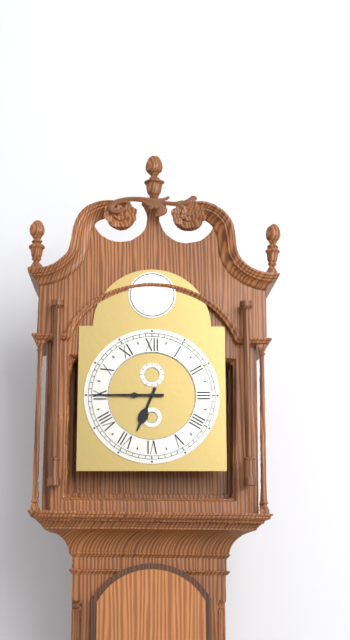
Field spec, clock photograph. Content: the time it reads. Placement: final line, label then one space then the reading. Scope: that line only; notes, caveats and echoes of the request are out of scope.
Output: 6:45
